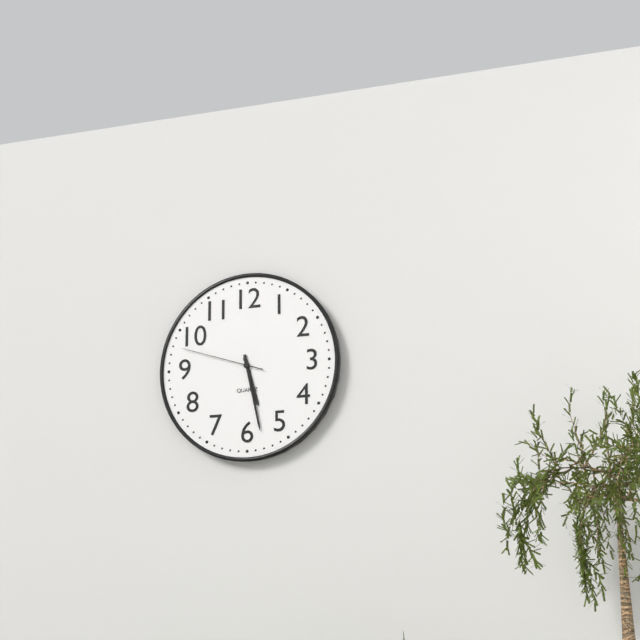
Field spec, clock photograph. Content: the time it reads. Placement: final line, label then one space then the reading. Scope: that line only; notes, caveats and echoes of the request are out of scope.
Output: 5:28:48
